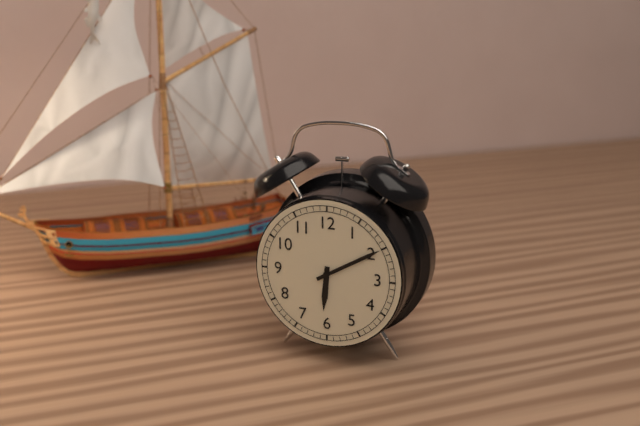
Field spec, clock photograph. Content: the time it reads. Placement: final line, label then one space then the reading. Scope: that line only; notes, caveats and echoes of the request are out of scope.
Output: 6:10
